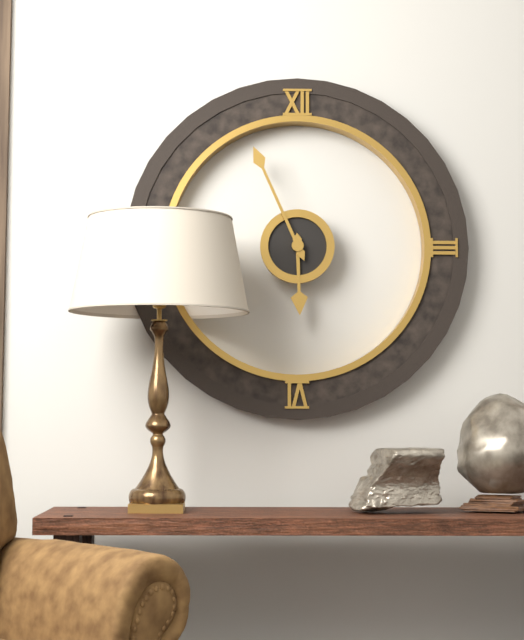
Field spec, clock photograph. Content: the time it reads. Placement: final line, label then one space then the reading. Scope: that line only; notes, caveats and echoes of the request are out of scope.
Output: 5:56
